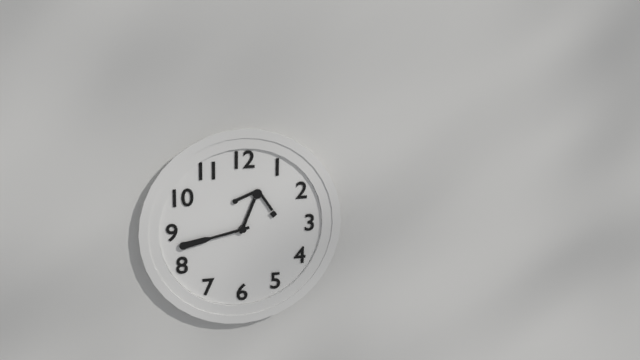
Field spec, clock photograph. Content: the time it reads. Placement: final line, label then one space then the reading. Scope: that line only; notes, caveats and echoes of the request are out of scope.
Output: 12:43
